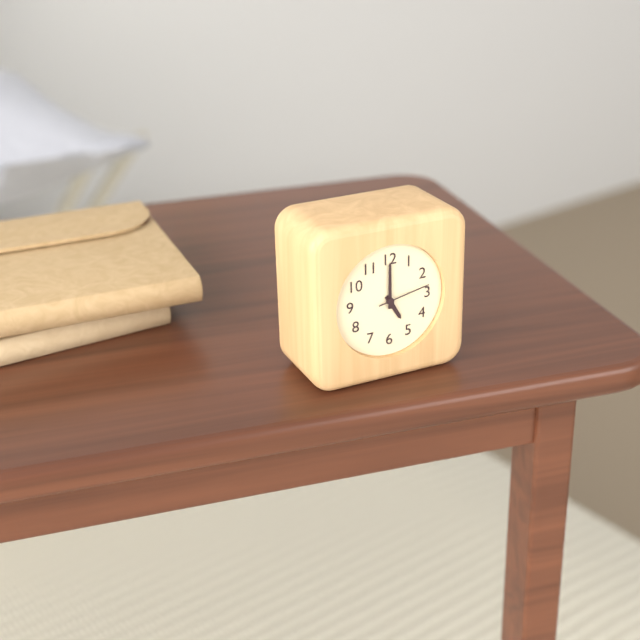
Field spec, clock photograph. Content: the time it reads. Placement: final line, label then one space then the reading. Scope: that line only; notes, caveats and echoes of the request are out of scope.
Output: 5:00:13
